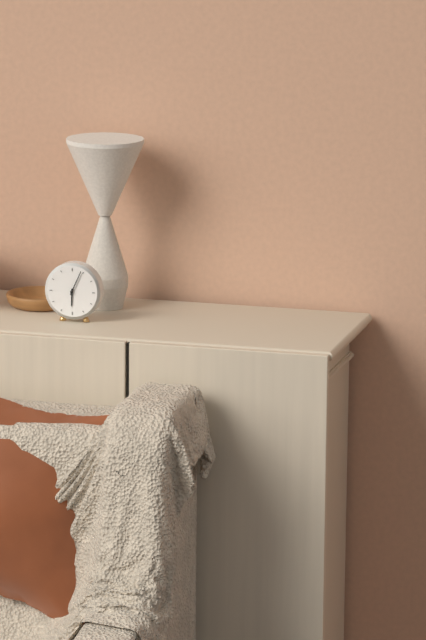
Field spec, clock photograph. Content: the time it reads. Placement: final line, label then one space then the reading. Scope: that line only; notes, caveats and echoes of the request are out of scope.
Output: 6:04
